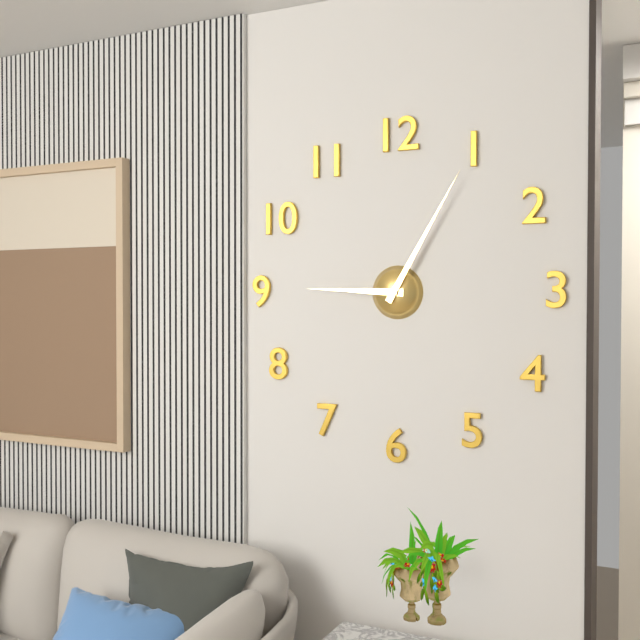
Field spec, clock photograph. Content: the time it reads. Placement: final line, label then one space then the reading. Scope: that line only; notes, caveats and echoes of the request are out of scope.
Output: 9:05
